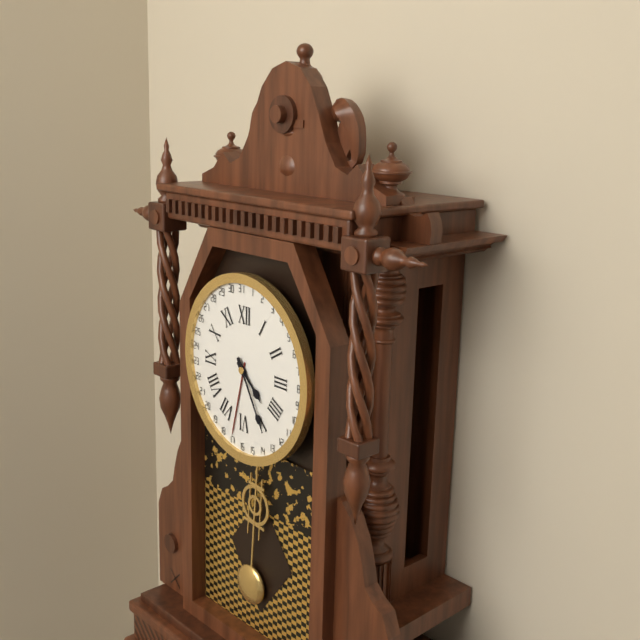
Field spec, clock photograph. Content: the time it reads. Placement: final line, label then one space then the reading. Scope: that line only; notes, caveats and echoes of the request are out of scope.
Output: 4:25
